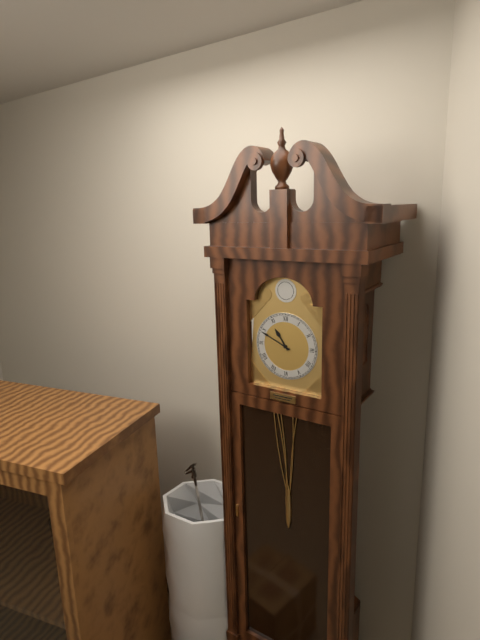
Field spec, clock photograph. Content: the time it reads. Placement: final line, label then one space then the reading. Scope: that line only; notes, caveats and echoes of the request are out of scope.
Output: 10:49
